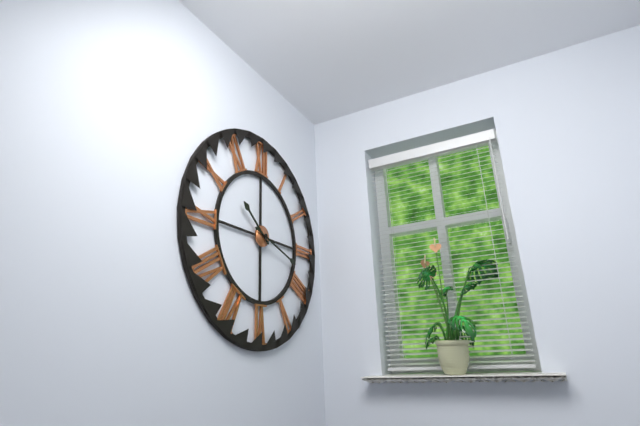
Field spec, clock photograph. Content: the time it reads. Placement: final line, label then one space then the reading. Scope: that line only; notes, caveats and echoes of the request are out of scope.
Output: 10:18
